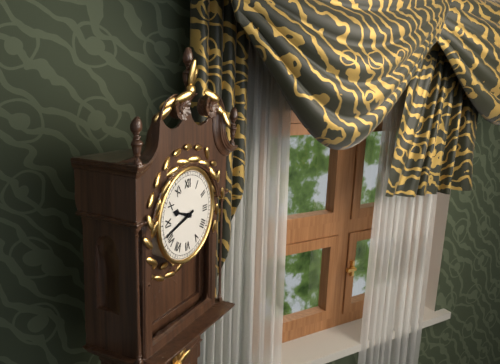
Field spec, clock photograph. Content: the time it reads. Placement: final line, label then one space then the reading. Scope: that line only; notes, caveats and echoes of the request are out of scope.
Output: 9:42
